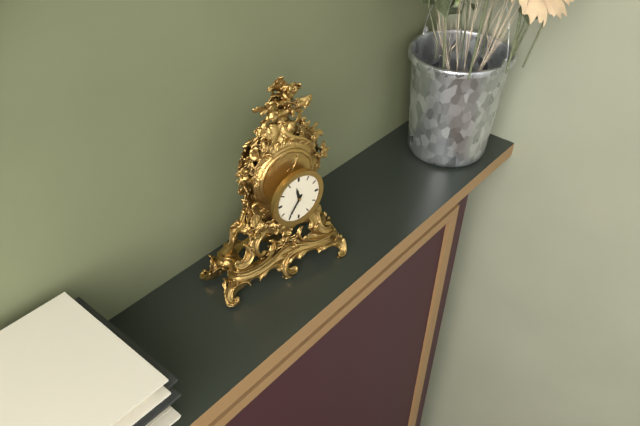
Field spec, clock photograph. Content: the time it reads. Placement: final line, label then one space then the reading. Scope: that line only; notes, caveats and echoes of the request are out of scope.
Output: 11:36
